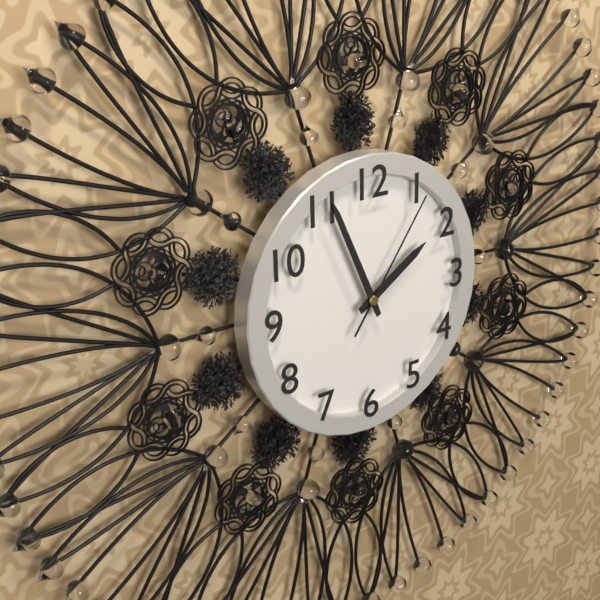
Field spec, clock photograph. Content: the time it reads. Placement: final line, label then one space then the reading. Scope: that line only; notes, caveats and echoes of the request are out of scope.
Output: 1:56:06
